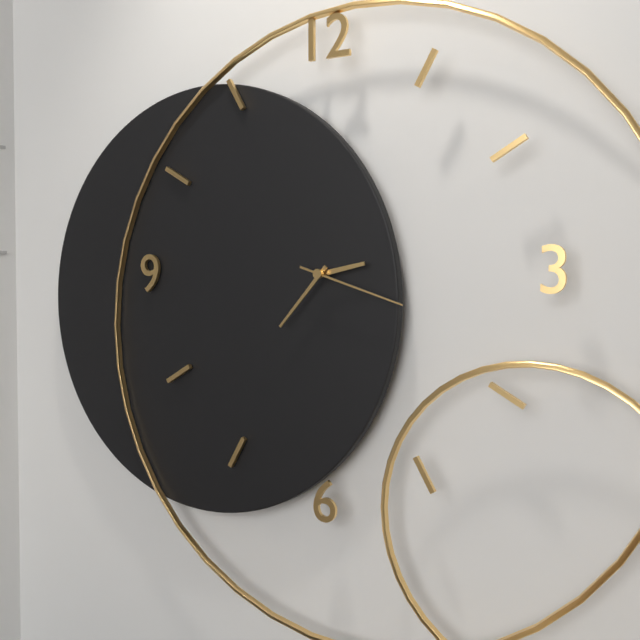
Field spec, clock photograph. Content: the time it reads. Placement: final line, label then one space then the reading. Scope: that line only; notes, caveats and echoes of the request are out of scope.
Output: 2:37:18
